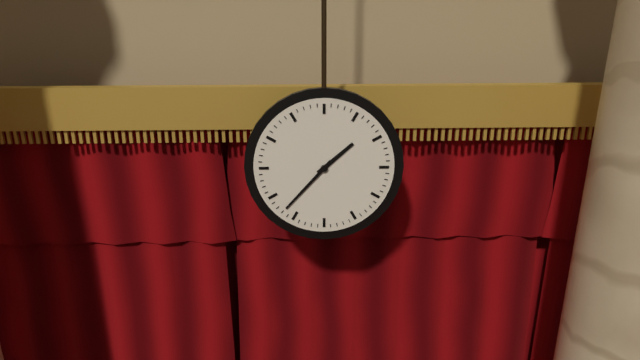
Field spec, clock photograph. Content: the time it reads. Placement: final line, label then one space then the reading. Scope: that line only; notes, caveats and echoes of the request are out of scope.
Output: 1:37
